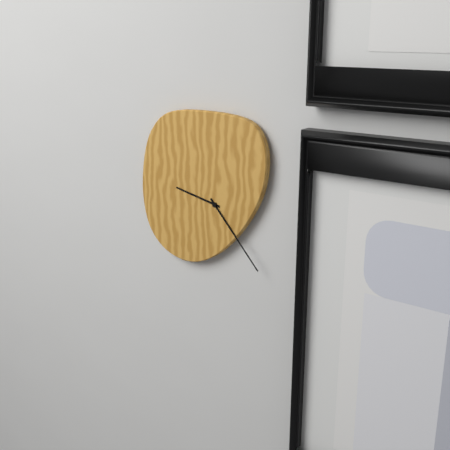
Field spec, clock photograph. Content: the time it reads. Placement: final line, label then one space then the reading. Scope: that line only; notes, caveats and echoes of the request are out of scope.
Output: 9:23
